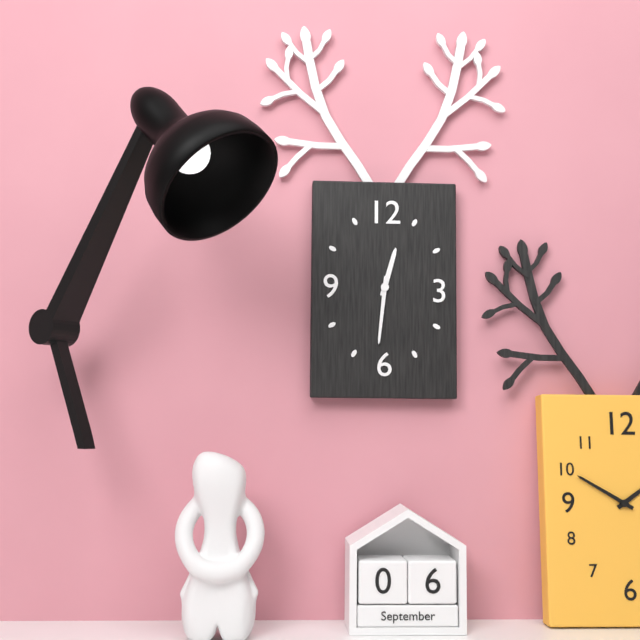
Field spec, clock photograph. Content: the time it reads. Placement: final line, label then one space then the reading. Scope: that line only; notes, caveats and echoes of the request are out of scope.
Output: 12:31
